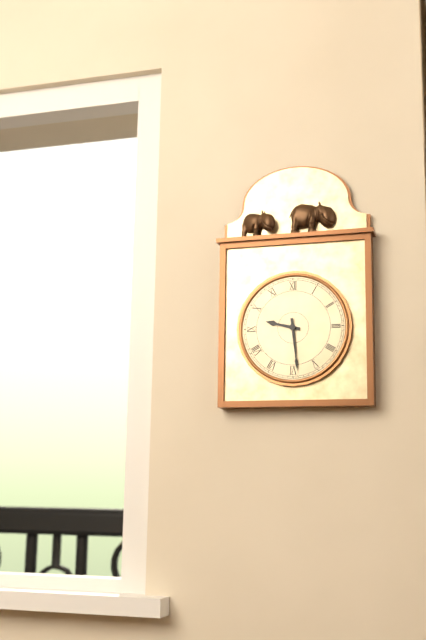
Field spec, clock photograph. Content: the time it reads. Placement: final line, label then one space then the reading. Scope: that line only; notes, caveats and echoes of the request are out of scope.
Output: 9:29
